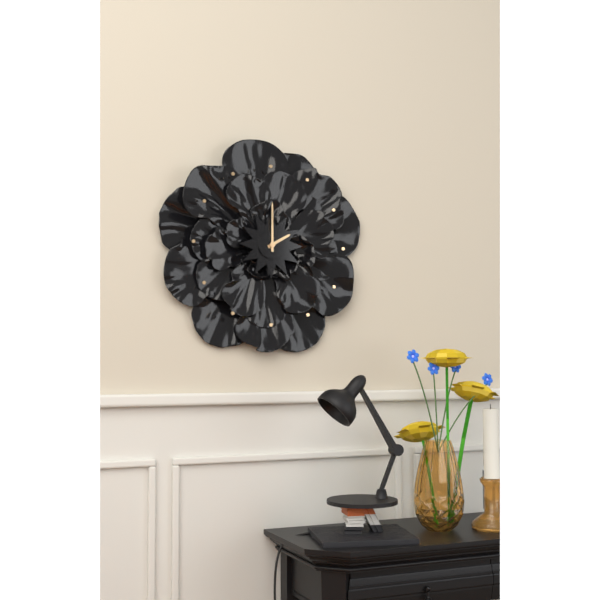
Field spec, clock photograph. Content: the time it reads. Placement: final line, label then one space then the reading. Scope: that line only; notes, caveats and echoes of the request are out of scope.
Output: 2:00
